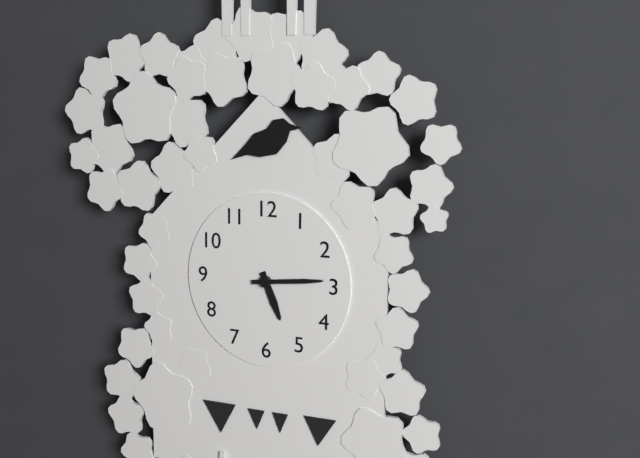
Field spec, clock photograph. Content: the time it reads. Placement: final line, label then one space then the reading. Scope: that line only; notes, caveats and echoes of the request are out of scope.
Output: 5:14
